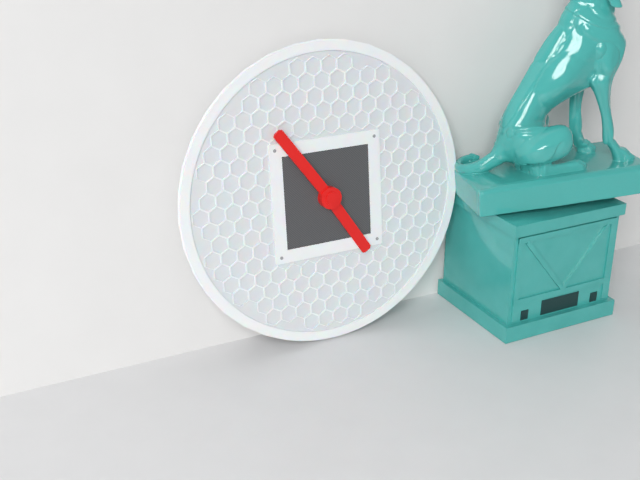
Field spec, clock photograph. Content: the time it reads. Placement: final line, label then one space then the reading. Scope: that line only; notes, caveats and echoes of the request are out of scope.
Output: 4:54
